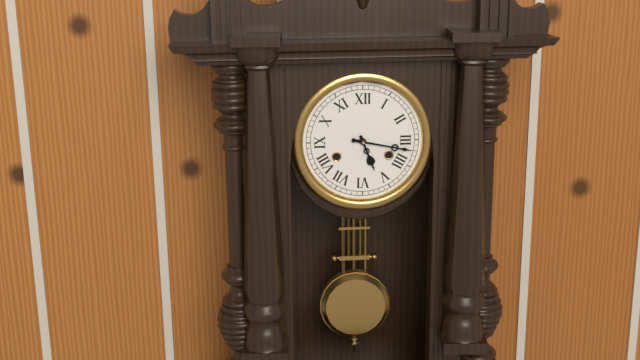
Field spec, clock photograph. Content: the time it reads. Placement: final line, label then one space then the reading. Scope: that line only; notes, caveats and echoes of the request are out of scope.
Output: 5:17
